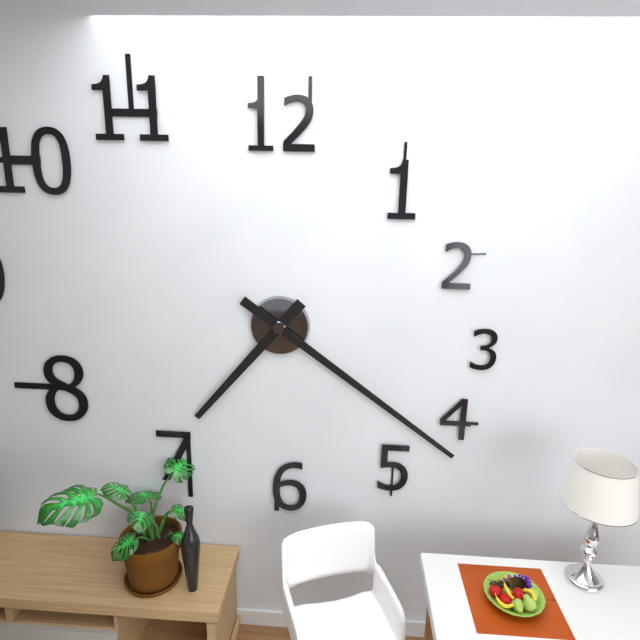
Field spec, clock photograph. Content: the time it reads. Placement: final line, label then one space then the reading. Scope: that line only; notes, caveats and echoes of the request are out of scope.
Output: 7:21
